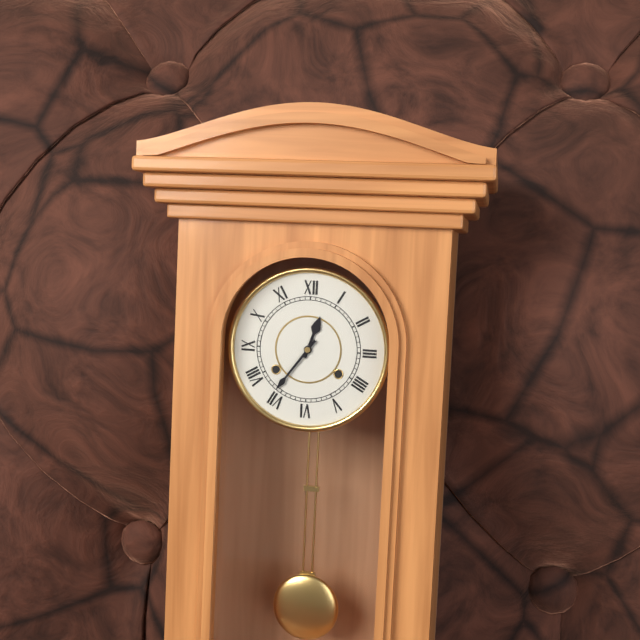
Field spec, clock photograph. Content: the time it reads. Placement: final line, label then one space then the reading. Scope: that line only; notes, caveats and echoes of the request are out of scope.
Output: 12:36
